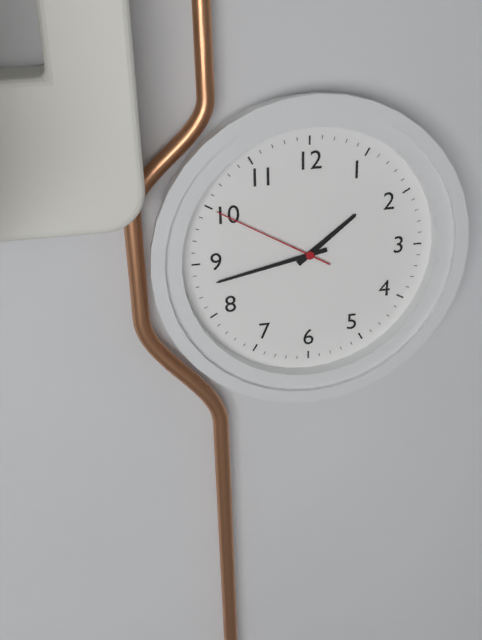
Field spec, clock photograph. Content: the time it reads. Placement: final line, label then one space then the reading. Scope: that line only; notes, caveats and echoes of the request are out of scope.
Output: 1:43:50
